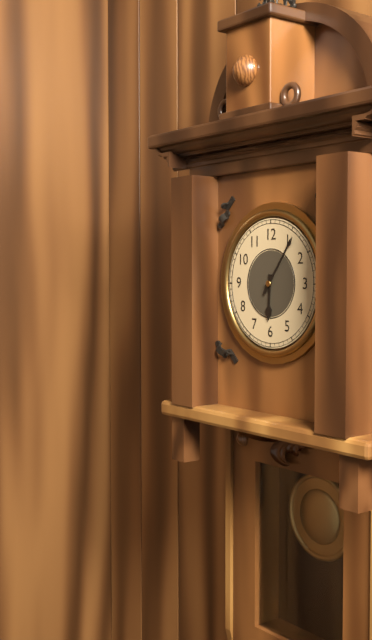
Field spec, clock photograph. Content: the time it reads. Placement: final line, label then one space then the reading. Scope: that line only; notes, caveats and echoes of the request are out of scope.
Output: 6:06
